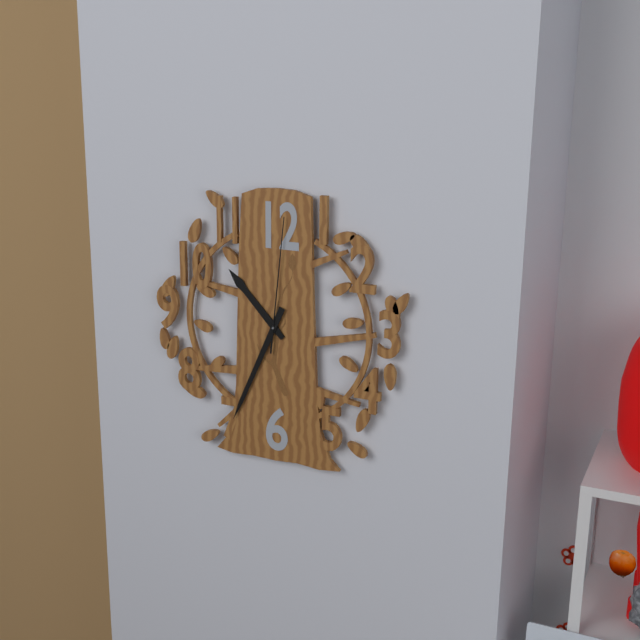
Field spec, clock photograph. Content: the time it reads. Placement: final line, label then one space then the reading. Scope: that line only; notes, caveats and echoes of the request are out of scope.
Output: 10:34:01
